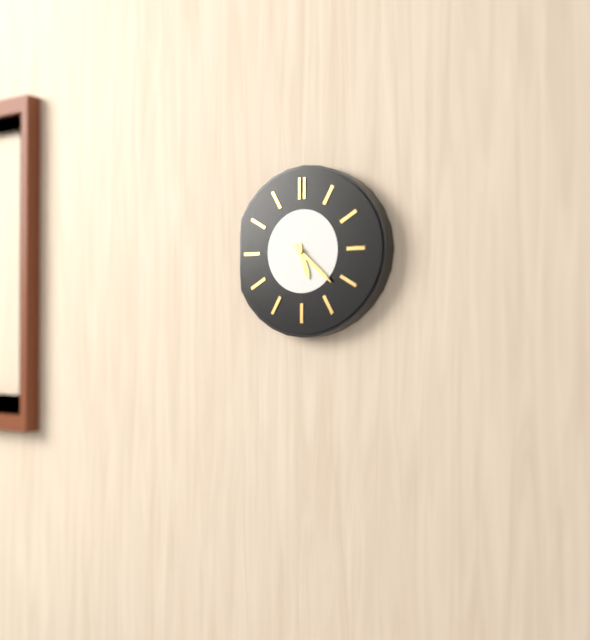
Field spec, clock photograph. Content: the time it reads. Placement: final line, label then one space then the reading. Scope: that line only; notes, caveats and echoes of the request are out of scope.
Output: 5:22
